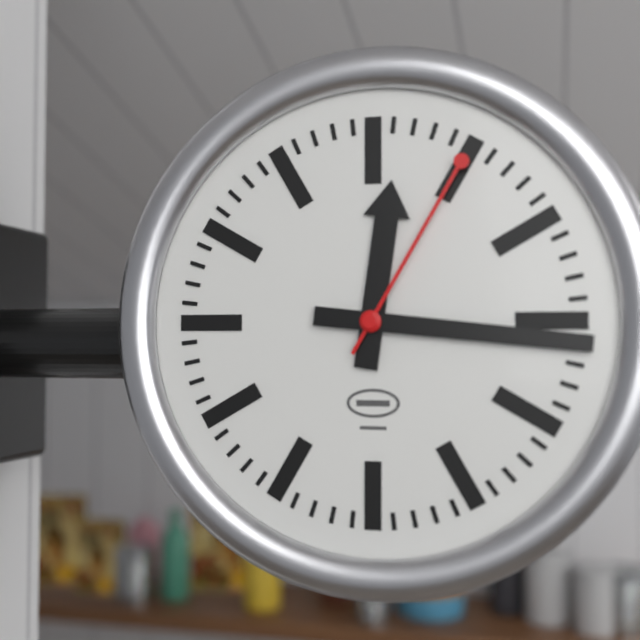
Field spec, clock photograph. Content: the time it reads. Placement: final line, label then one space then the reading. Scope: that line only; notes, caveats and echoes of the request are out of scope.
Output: 12:16:05
